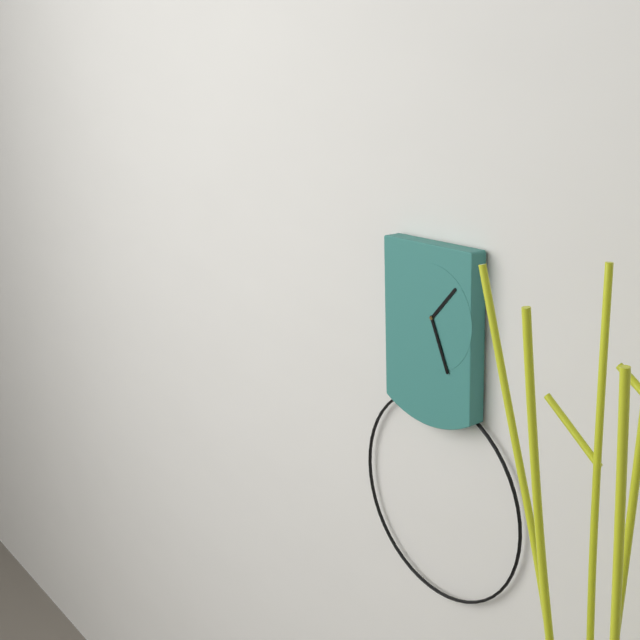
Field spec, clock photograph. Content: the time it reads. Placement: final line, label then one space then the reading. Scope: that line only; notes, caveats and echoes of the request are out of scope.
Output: 1:26
